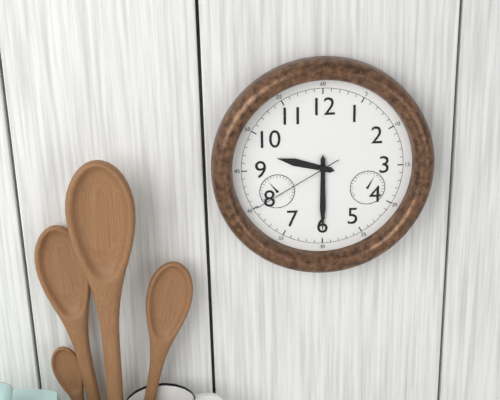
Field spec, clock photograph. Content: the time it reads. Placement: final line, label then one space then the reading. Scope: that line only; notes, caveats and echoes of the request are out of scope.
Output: 9:30:40
